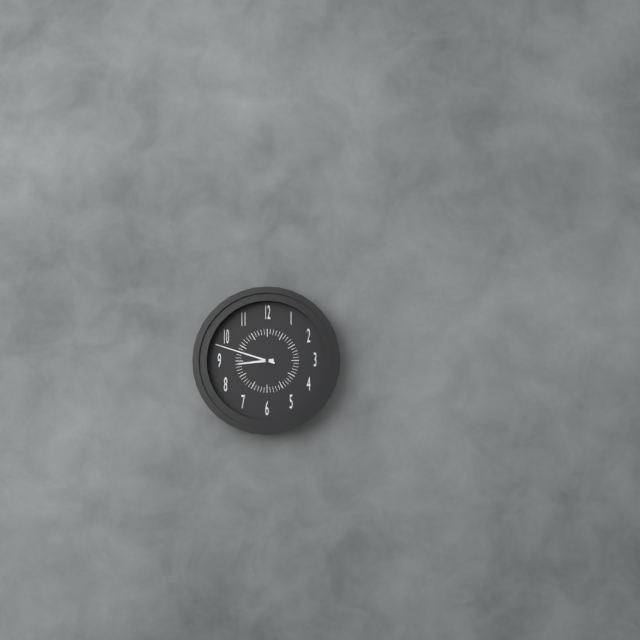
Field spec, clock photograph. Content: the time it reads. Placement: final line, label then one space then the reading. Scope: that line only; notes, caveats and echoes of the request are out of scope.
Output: 8:48
